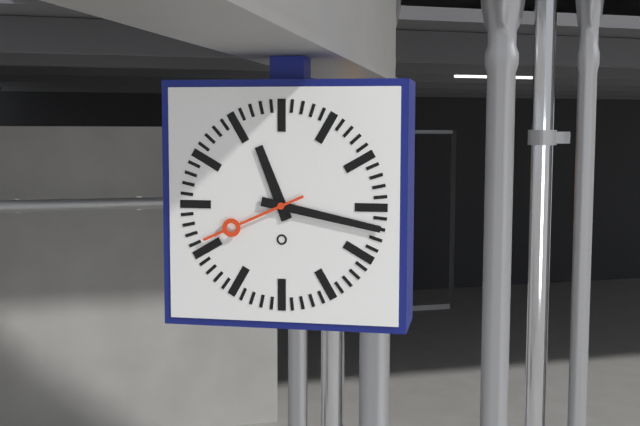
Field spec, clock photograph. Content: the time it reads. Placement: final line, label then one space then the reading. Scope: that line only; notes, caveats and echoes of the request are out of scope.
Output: 11:17:41
